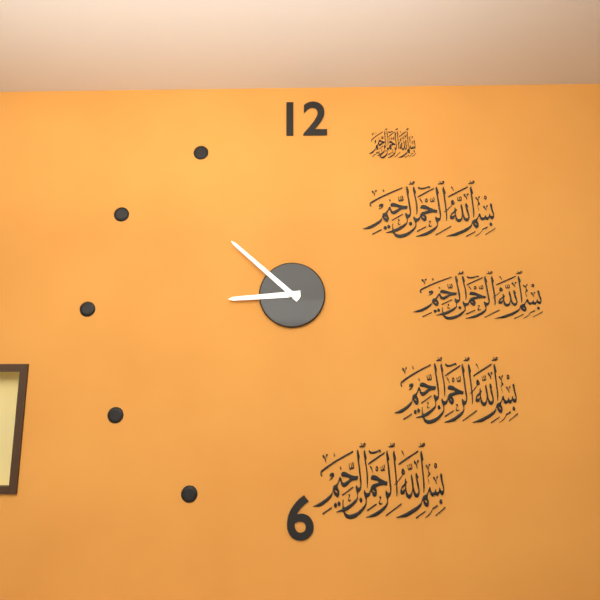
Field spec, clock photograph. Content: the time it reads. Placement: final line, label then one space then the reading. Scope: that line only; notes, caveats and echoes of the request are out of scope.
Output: 8:52
